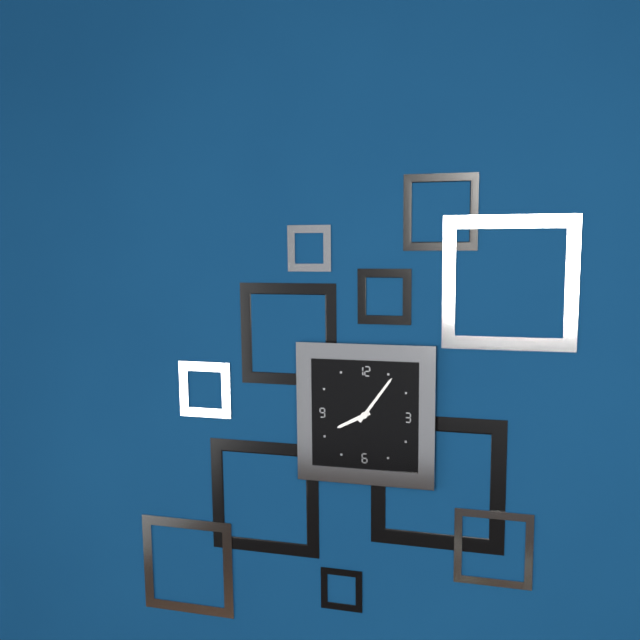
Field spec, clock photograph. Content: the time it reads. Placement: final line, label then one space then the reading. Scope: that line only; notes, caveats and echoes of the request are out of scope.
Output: 8:06
